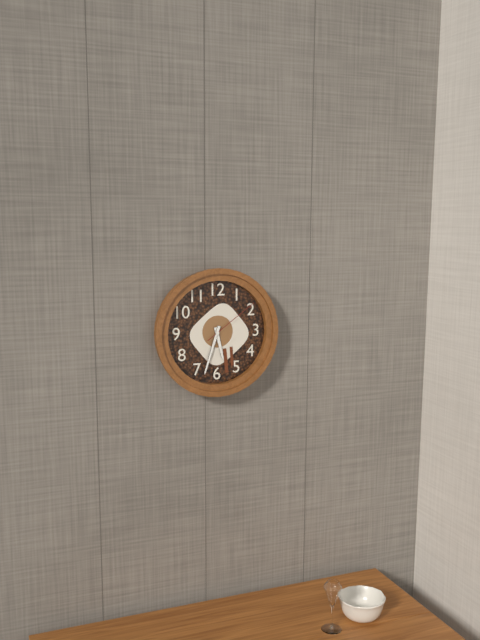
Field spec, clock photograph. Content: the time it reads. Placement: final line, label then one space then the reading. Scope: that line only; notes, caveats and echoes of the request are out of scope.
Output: 5:33:09
